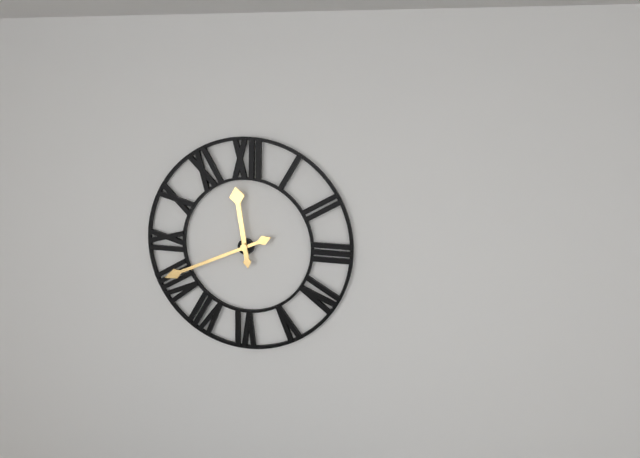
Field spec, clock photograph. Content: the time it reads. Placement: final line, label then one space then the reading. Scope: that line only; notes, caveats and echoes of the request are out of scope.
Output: 11:41
